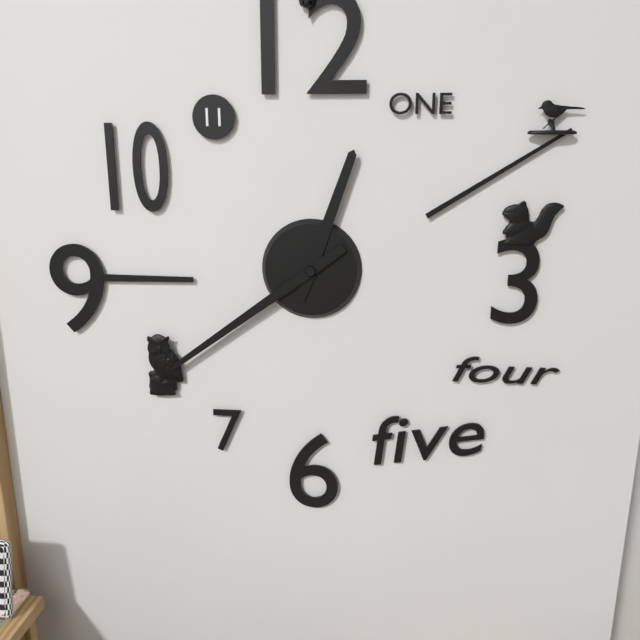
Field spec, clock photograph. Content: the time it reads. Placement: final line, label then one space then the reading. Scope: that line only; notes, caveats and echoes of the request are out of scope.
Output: 12:39
